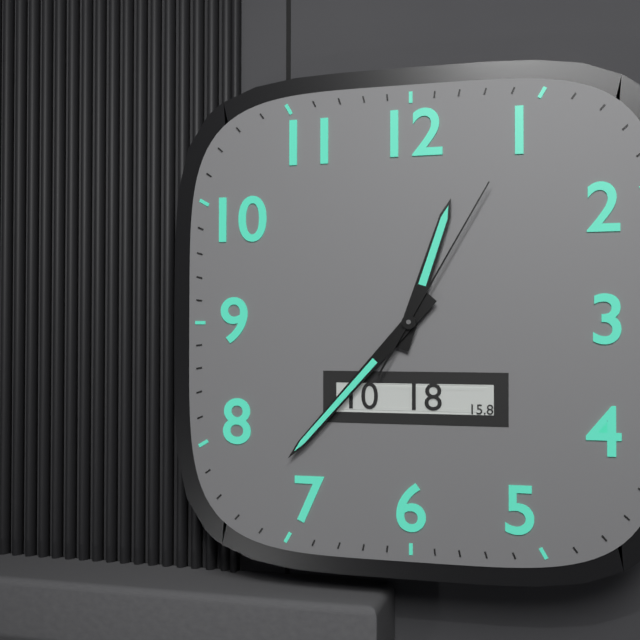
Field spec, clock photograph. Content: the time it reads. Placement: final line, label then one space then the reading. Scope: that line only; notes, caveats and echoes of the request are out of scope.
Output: 12:37:05
